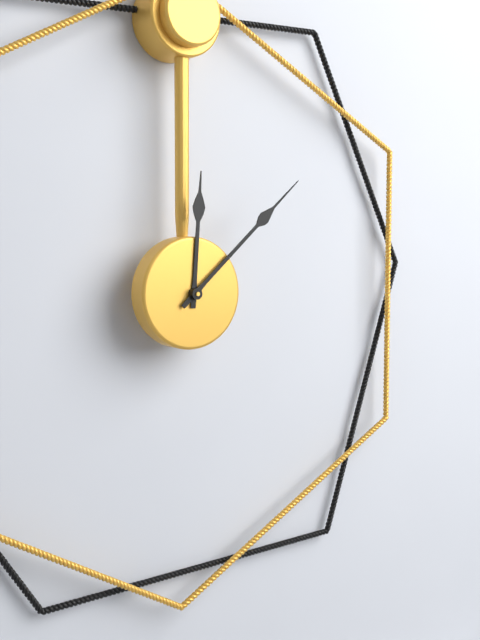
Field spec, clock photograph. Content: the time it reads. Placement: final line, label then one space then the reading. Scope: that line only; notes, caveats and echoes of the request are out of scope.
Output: 12:08
